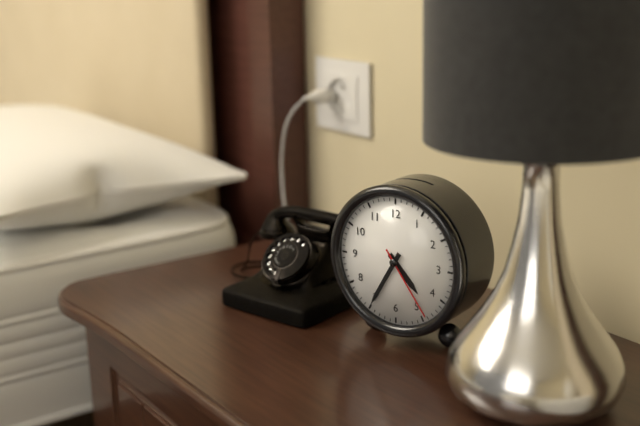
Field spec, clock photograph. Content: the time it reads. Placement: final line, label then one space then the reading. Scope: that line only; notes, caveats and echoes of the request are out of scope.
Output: 4:35:24
